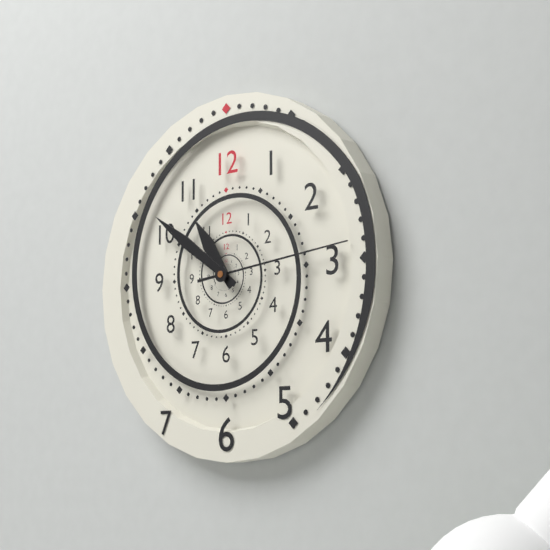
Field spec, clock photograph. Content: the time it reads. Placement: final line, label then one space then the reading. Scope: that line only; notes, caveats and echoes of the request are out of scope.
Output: 10:51:14
